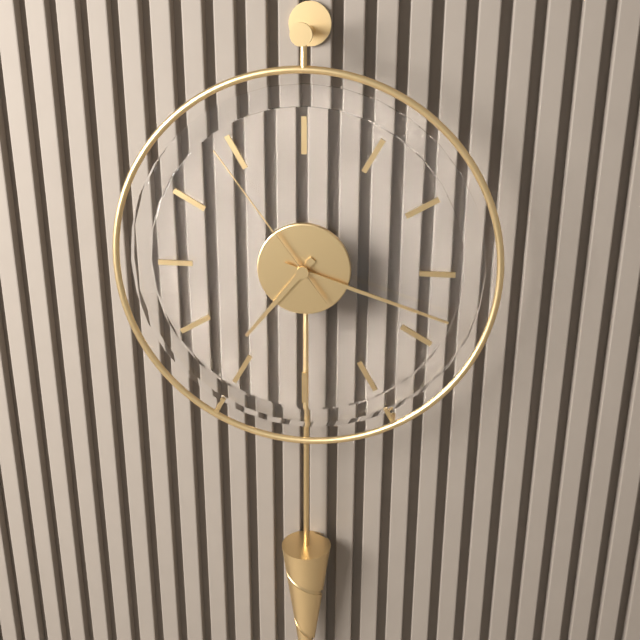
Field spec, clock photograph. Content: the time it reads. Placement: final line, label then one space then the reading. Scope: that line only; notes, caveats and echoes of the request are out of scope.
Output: 7:18:54
